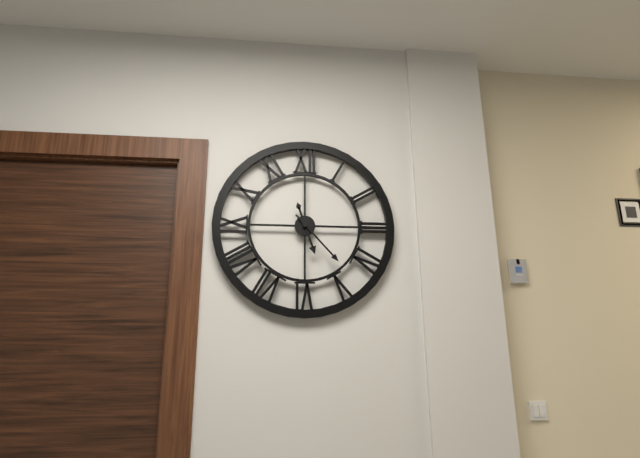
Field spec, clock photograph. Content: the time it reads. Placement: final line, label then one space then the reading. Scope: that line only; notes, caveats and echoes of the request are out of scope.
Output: 5:23
